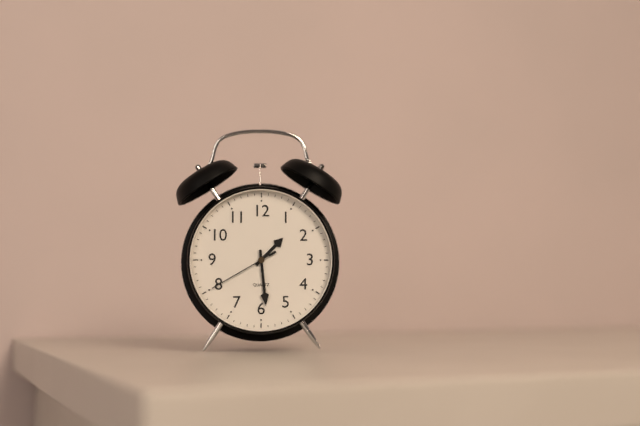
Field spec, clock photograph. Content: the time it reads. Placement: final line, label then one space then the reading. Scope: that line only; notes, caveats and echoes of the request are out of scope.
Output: 1:29:40
